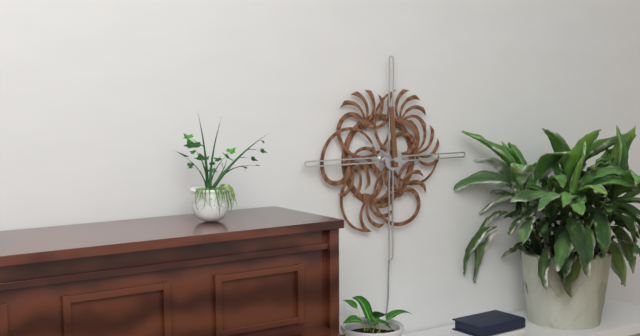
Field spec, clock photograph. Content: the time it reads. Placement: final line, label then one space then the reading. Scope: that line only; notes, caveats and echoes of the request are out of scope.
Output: 9:59
